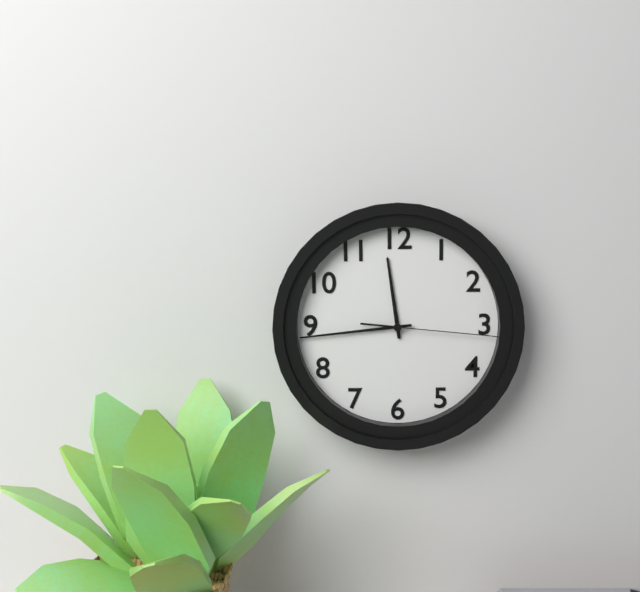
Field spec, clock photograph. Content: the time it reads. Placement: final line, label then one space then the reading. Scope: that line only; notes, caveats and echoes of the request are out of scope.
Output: 11:44:16
